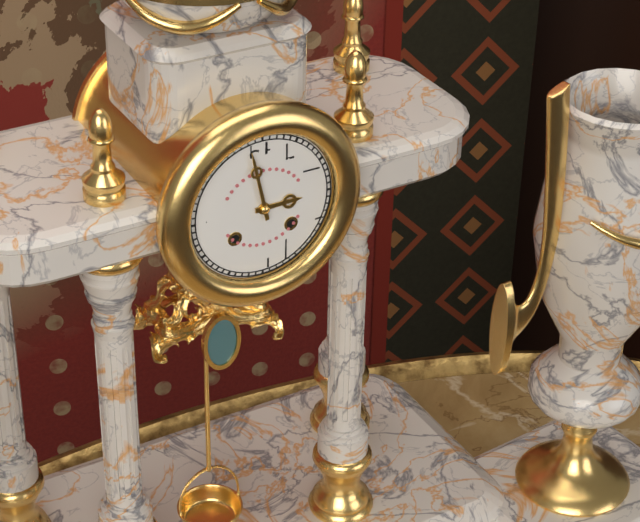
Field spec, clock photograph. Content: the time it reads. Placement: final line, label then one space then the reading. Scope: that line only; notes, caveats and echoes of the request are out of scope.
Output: 2:58
